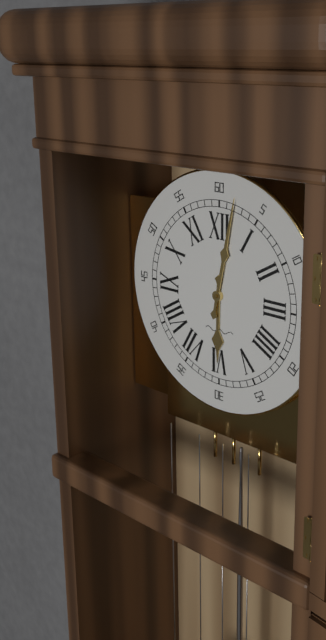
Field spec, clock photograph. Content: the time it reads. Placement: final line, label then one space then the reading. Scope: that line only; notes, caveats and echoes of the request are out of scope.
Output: 6:02
